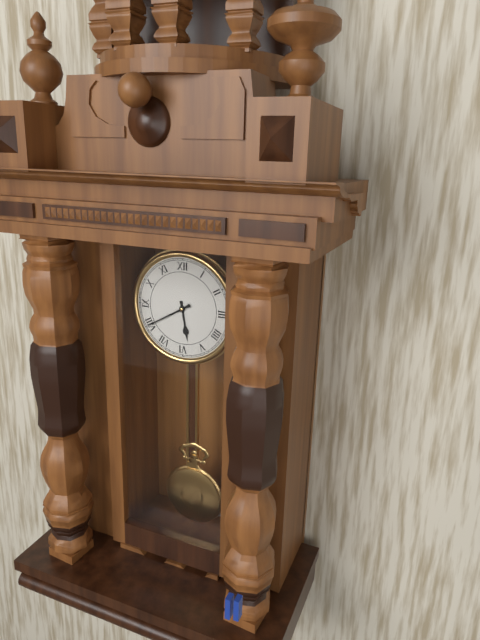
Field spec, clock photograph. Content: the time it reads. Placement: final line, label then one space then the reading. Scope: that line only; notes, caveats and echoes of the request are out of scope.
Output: 5:40
